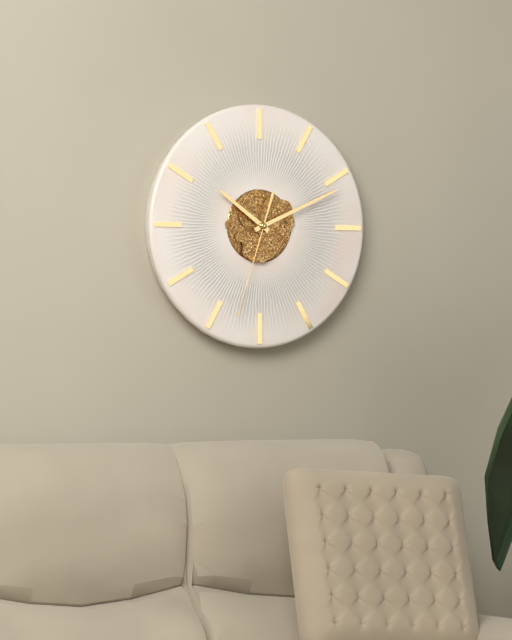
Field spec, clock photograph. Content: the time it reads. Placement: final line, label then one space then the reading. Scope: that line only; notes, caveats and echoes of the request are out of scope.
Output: 10:11:33
